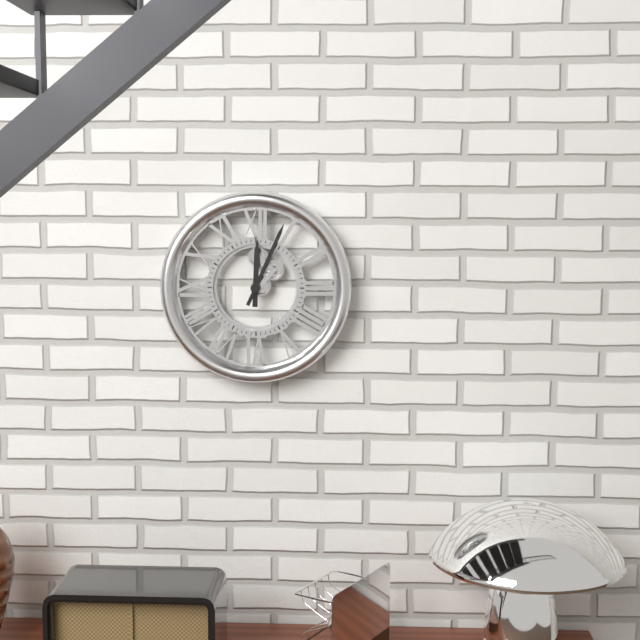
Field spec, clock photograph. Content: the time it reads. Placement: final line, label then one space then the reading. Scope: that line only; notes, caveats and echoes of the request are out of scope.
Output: 12:04
